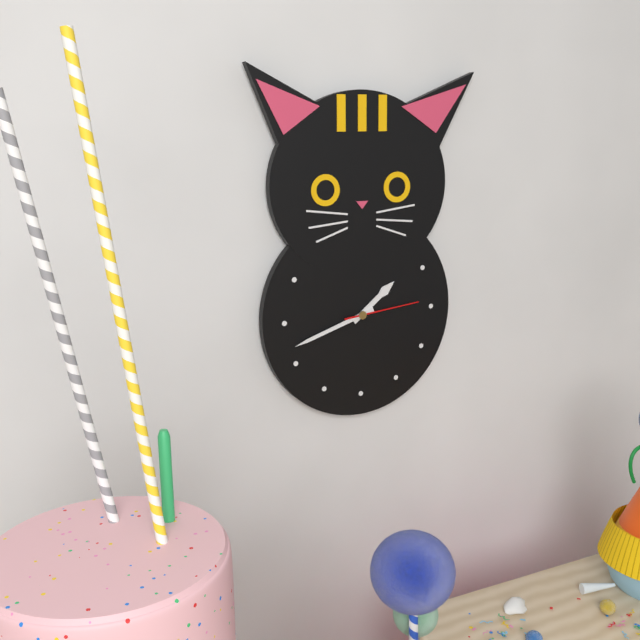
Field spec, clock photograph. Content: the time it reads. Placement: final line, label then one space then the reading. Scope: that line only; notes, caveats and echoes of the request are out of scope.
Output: 1:42:14
